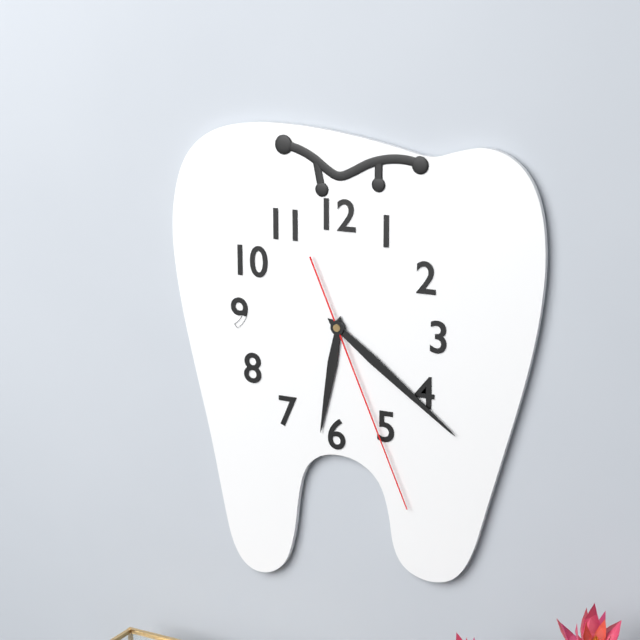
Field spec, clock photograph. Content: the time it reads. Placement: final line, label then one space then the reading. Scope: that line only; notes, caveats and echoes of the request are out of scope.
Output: 6:21:26
